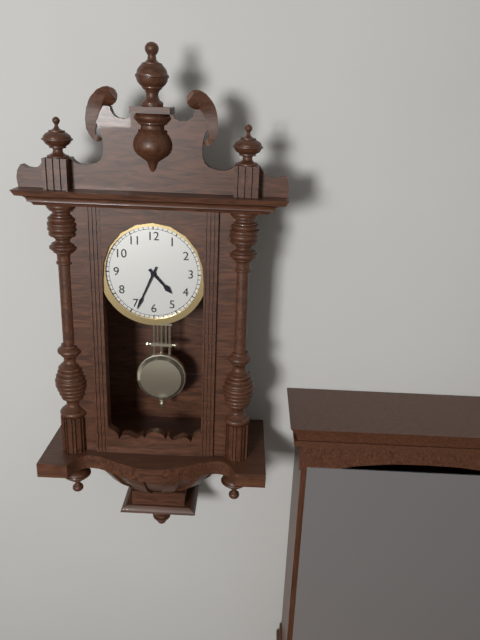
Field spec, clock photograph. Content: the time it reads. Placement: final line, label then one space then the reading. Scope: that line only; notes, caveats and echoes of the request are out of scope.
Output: 4:34
